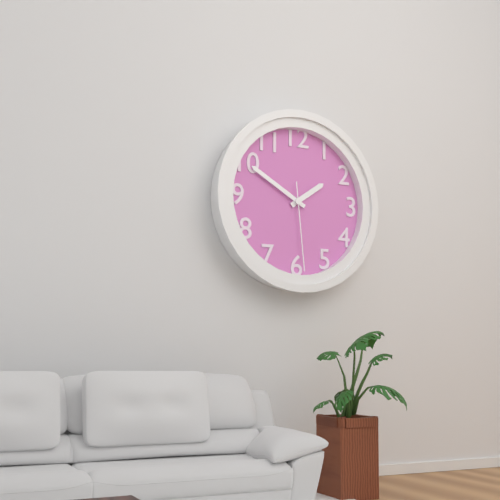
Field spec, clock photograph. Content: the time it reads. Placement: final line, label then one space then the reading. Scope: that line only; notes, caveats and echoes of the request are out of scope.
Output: 1:50:29
